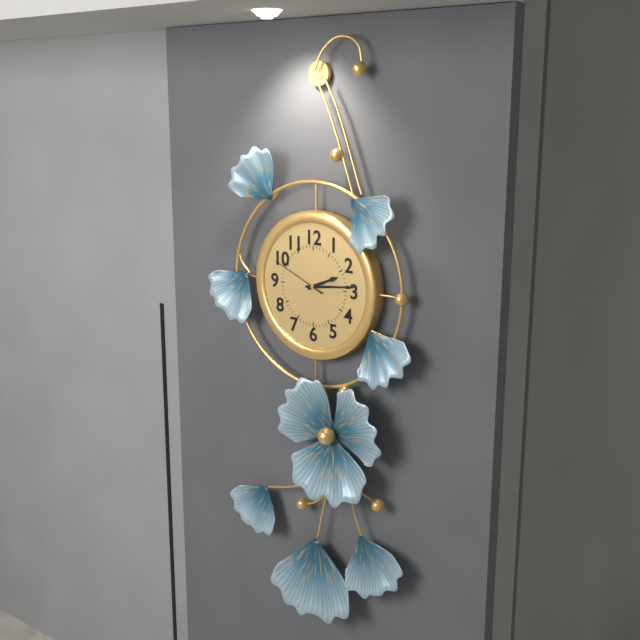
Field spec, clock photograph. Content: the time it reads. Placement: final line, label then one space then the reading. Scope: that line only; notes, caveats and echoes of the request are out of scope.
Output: 2:14:49
